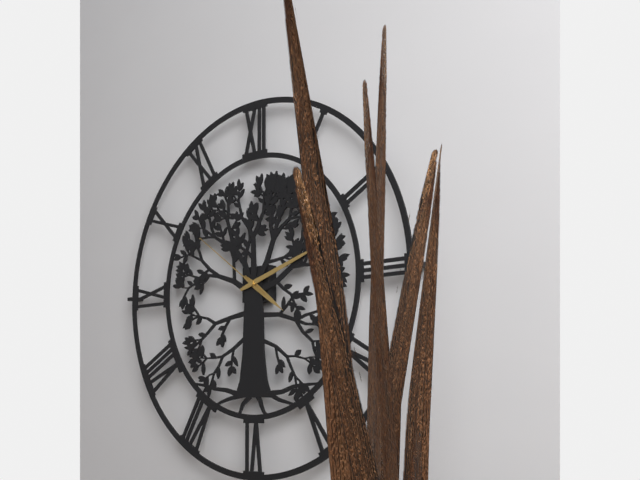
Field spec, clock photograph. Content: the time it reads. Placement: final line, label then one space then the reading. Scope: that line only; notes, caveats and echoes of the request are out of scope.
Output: 4:12:51
